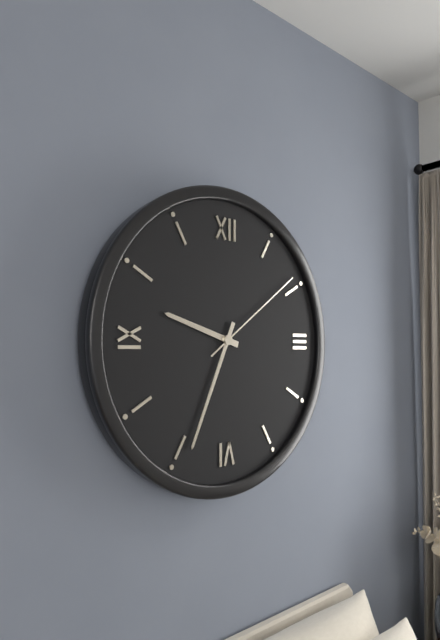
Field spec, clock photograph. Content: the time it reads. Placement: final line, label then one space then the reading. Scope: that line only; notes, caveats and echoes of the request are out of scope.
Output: 9:34:09
